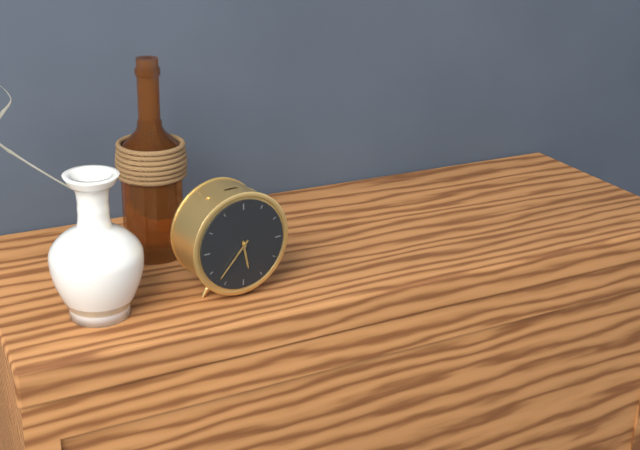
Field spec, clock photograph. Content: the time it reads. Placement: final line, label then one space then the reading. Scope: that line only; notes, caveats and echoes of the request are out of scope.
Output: 5:37
